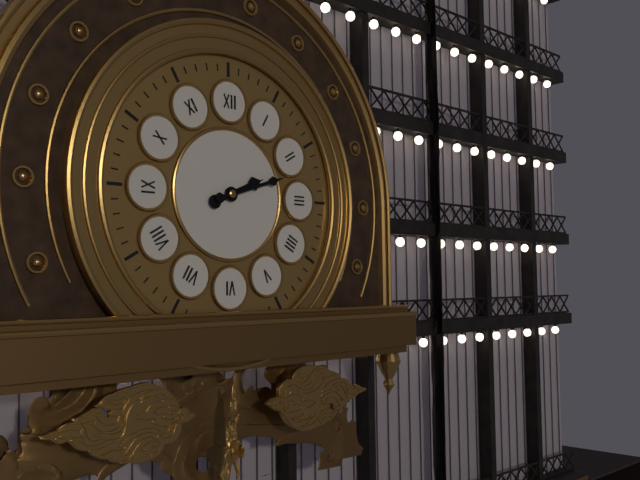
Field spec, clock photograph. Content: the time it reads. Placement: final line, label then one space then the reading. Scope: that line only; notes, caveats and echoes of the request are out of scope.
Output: 2:12
